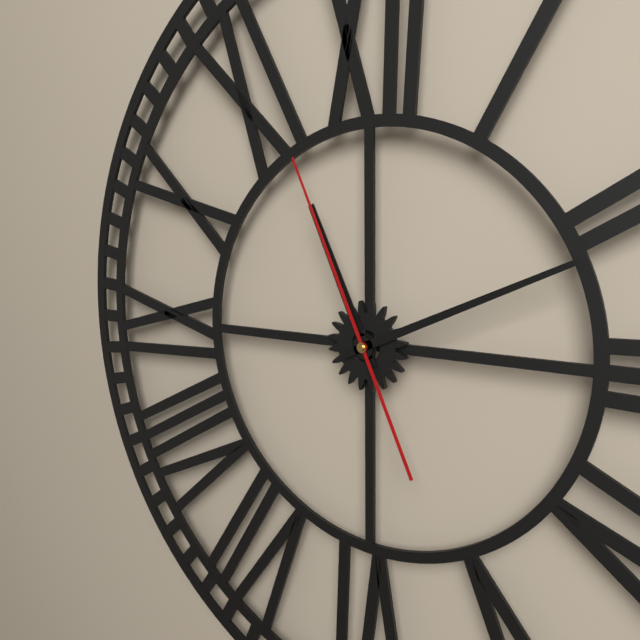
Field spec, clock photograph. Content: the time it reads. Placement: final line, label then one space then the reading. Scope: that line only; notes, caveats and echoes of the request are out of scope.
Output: 11:11:56
